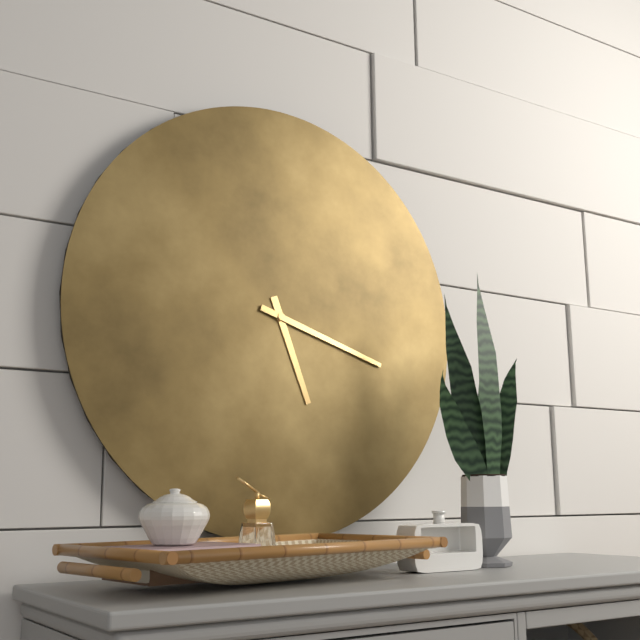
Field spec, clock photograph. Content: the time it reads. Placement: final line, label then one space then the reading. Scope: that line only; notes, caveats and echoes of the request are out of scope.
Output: 5:18
